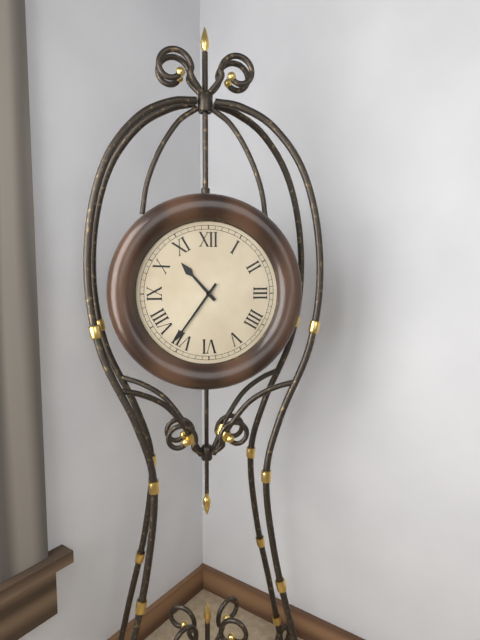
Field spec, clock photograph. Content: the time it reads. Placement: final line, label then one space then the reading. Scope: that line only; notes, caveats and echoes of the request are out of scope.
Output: 10:36
